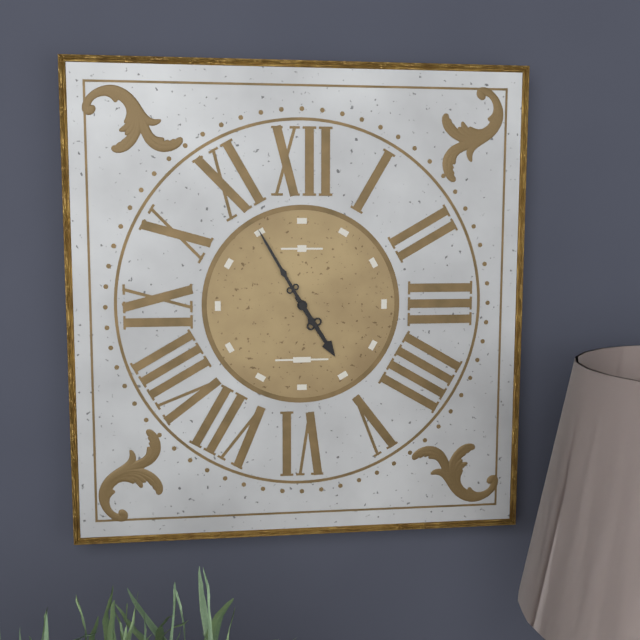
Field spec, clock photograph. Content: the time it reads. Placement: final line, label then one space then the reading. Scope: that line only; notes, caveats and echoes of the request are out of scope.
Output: 4:55
